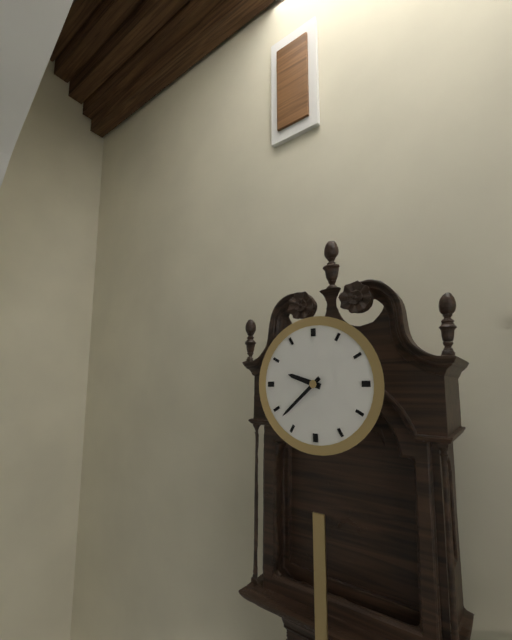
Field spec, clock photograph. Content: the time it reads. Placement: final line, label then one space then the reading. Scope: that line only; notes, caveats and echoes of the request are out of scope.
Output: 9:38
